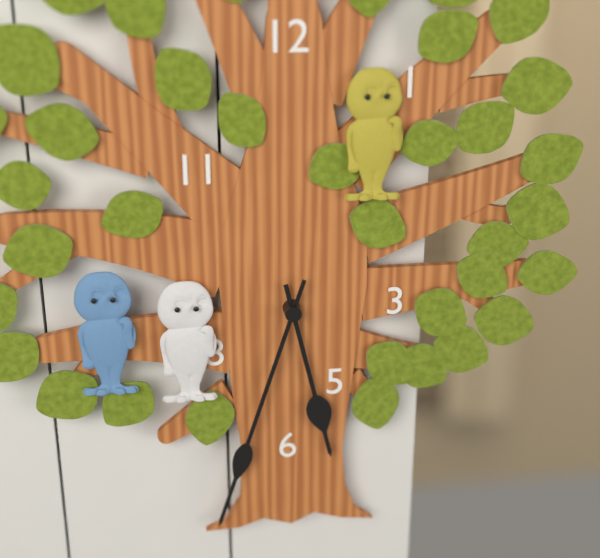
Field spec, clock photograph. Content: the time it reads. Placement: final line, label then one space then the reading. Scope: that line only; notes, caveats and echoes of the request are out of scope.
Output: 5:33
